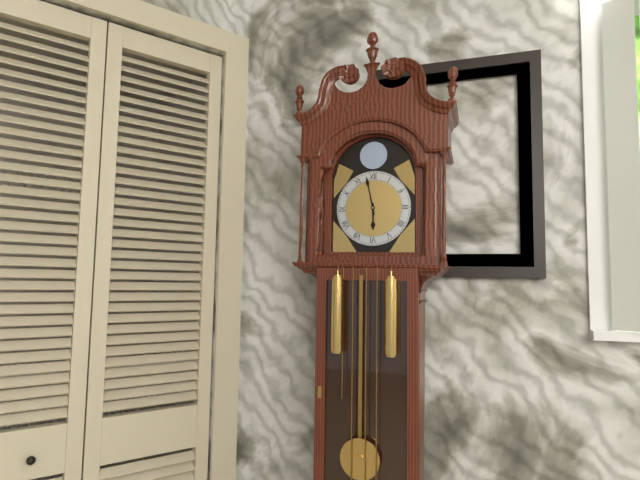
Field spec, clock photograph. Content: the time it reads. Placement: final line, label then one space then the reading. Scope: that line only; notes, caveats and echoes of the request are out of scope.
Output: 5:58
